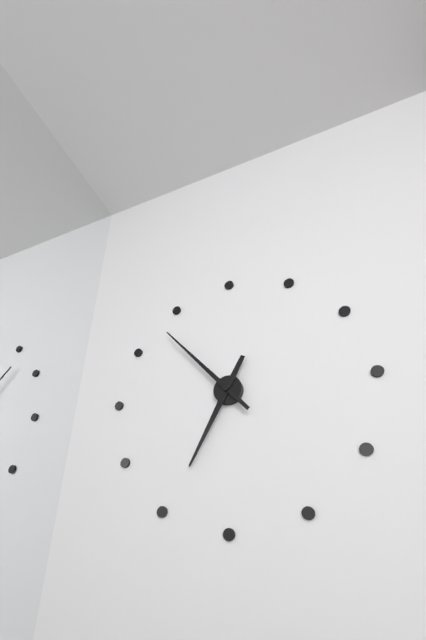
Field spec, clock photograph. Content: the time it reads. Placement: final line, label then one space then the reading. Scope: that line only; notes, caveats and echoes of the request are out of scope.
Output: 6:53
